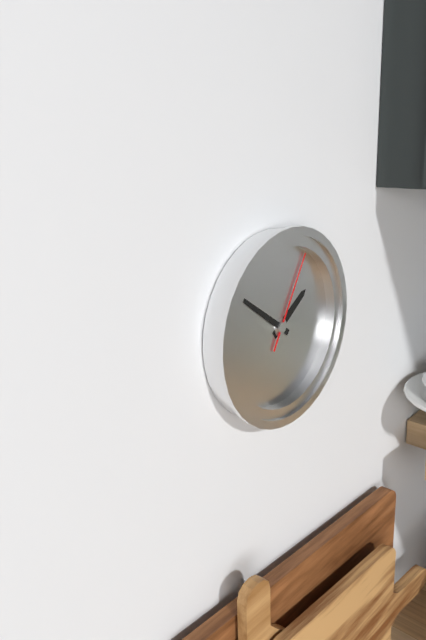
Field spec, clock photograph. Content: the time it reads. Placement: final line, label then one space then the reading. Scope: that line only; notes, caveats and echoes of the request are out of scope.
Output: 1:51:05
